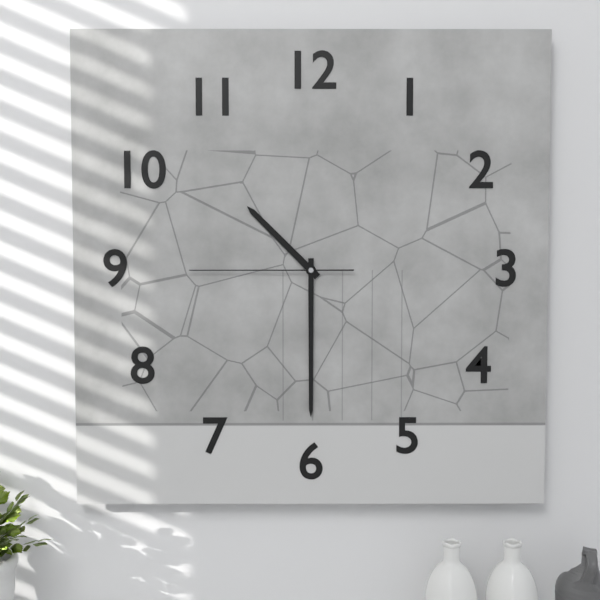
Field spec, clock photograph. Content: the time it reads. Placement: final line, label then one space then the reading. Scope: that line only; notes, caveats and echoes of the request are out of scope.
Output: 10:30:45
